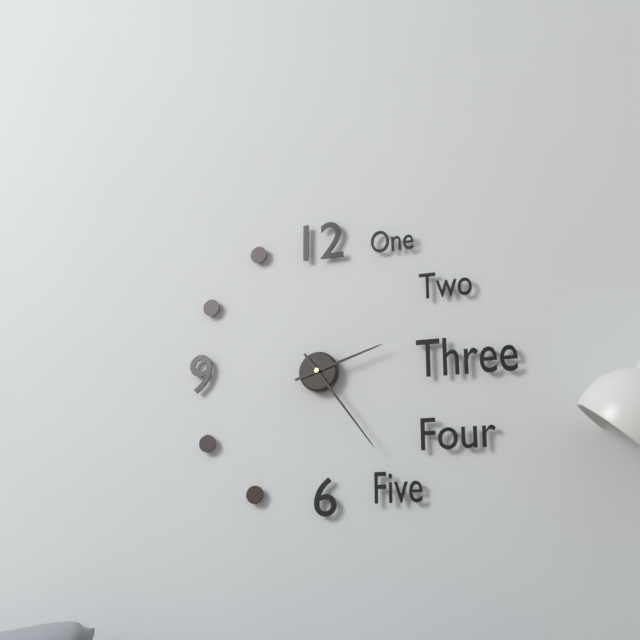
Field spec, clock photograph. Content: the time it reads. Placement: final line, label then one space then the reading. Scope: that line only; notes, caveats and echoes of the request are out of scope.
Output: 2:24
